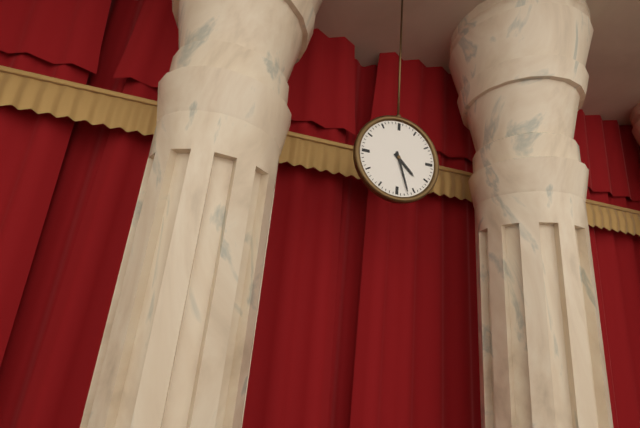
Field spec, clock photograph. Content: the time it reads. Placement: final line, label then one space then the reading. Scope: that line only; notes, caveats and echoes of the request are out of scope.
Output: 4:27
